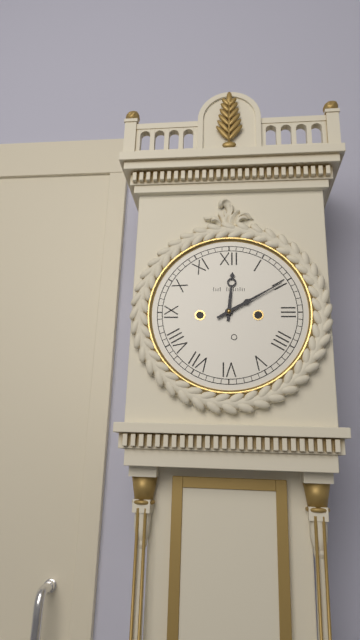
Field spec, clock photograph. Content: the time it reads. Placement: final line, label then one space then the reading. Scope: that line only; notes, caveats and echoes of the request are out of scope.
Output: 12:10
